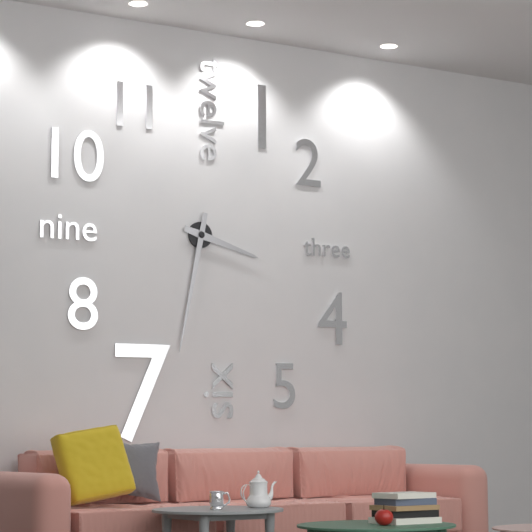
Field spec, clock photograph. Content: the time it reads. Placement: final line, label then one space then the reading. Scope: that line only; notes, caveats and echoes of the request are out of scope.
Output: 3:32
